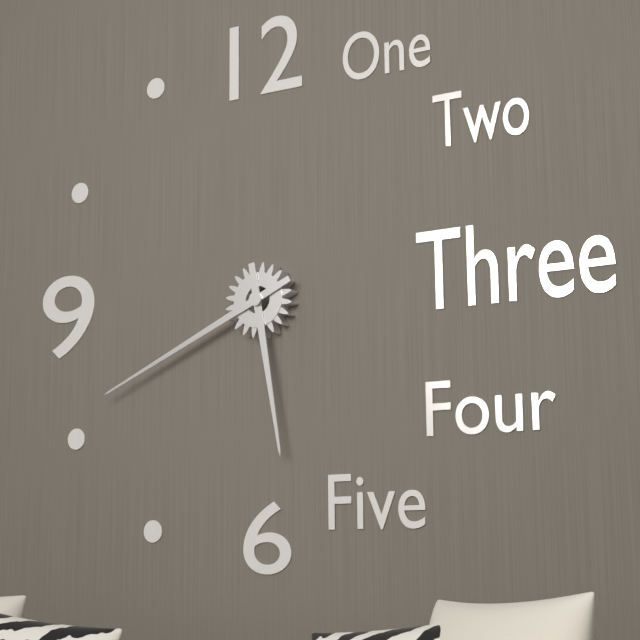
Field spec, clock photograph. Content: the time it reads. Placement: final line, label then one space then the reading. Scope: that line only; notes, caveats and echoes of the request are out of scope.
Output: 5:41
